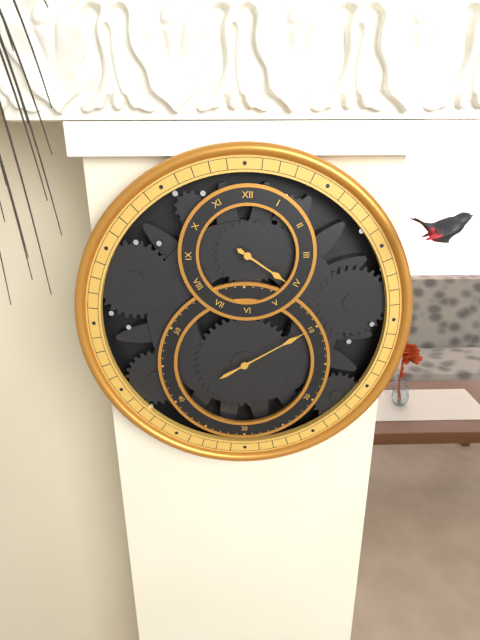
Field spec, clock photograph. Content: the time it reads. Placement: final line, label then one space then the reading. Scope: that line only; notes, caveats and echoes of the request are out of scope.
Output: 4:10
